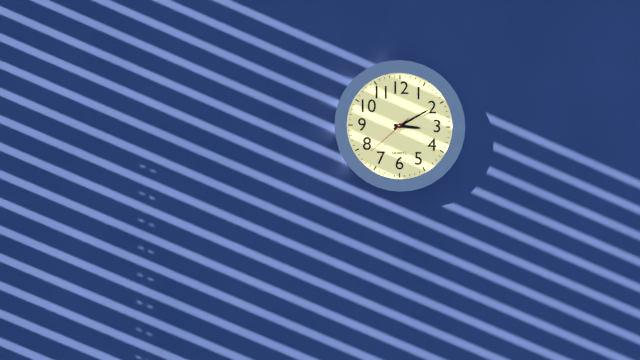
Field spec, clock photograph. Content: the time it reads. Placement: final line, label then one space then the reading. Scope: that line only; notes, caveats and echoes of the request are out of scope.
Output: 3:10
